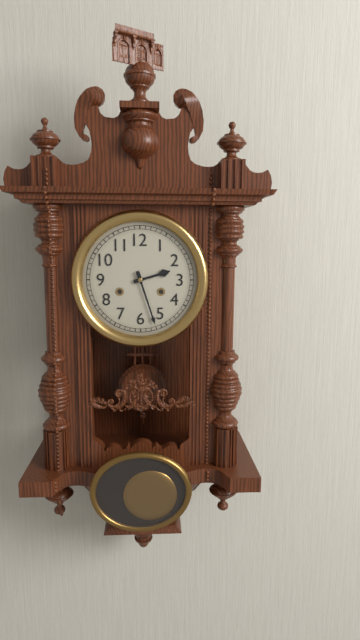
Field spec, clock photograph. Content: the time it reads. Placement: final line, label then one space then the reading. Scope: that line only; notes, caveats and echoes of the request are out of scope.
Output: 2:27
